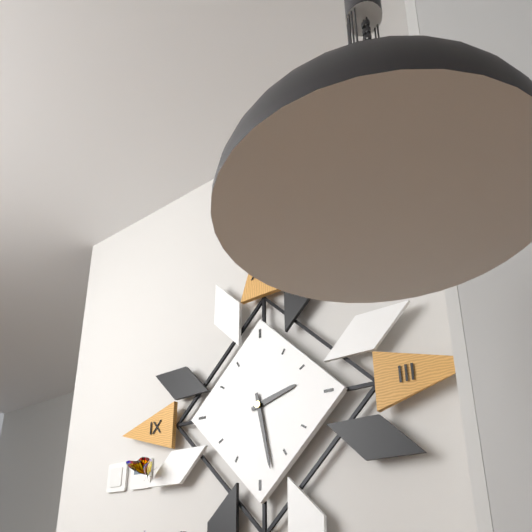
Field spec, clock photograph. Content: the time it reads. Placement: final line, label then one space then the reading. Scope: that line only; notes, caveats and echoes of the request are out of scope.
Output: 2:28
